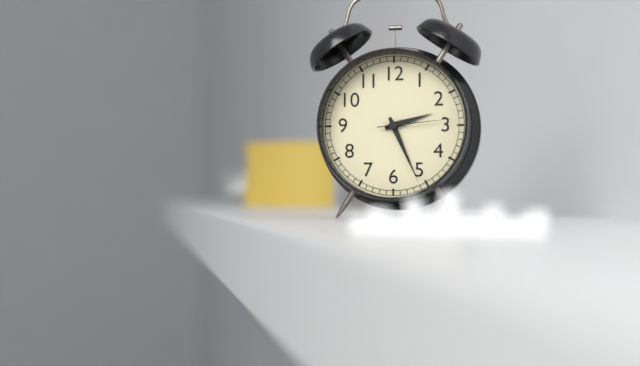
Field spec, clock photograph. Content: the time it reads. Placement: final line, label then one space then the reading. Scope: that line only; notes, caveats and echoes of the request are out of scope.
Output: 2:26:14
